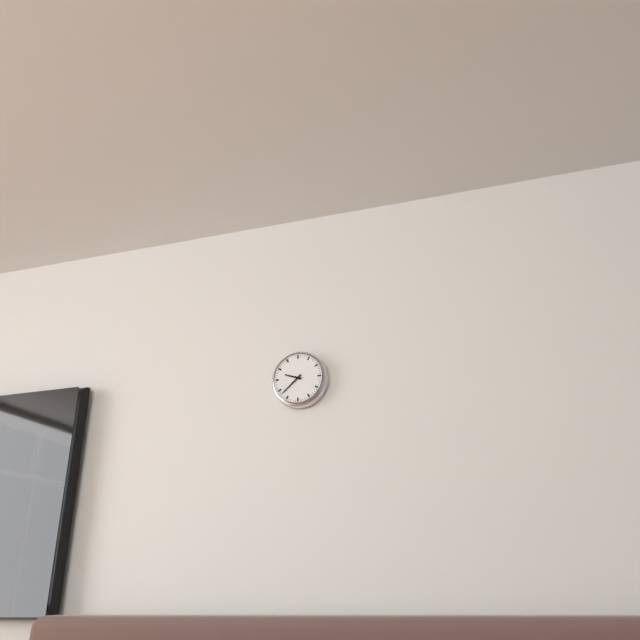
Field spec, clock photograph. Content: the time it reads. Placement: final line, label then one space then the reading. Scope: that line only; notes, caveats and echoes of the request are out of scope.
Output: 9:38
